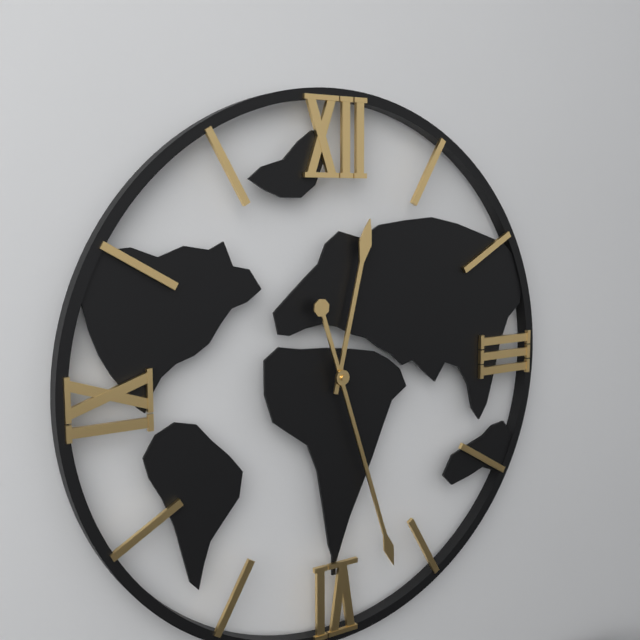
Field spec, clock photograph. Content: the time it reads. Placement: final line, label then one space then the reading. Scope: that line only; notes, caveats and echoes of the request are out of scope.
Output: 12:27
